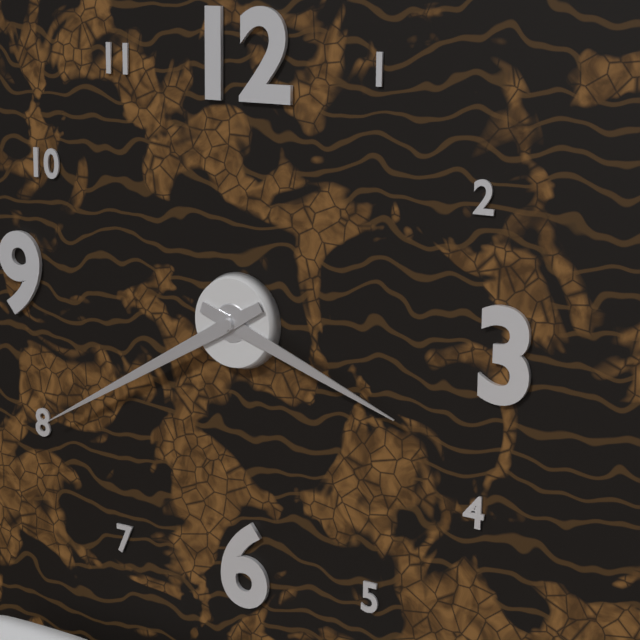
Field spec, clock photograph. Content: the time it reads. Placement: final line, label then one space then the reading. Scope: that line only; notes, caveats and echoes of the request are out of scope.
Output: 3:40
